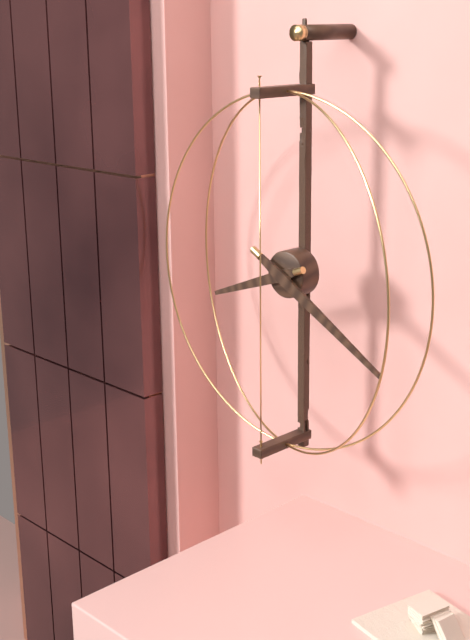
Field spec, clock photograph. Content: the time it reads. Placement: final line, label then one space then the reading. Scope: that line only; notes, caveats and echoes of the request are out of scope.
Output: 8:20
